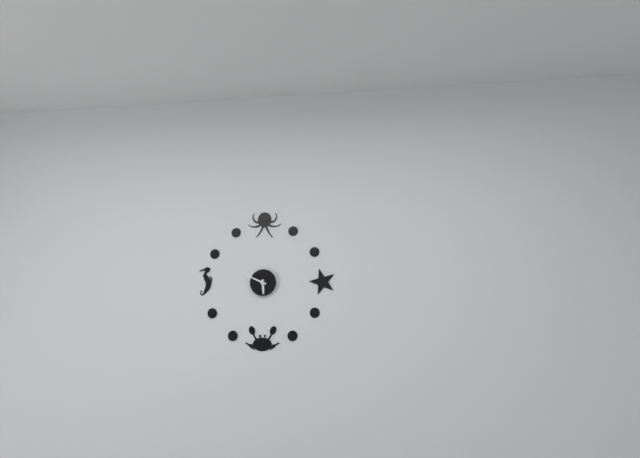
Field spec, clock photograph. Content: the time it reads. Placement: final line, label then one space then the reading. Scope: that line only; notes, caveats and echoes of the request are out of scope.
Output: 5:49
